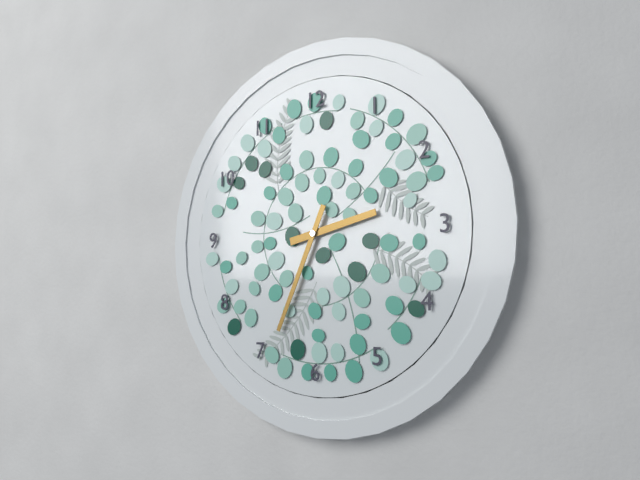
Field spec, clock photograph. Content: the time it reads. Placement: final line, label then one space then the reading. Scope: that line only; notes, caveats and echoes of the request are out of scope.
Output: 2:34
